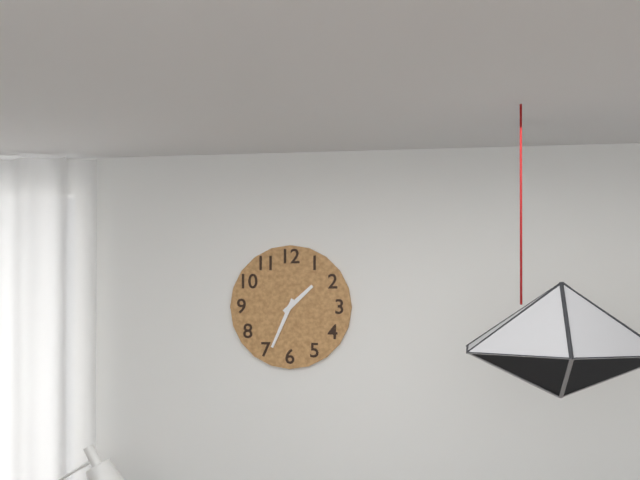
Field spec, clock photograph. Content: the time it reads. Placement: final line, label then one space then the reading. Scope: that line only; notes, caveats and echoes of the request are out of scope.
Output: 1:34
